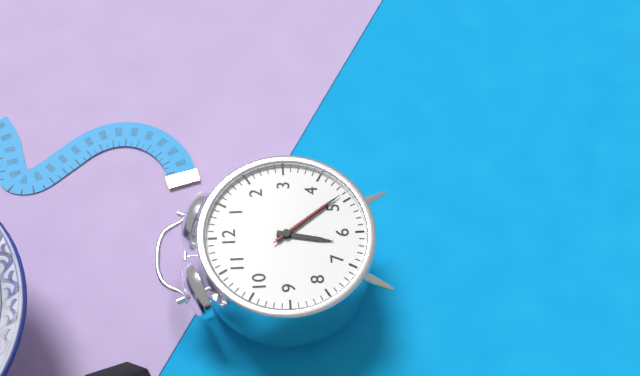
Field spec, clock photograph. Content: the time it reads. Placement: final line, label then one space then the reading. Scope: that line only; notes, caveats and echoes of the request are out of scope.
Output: 6:24:24
